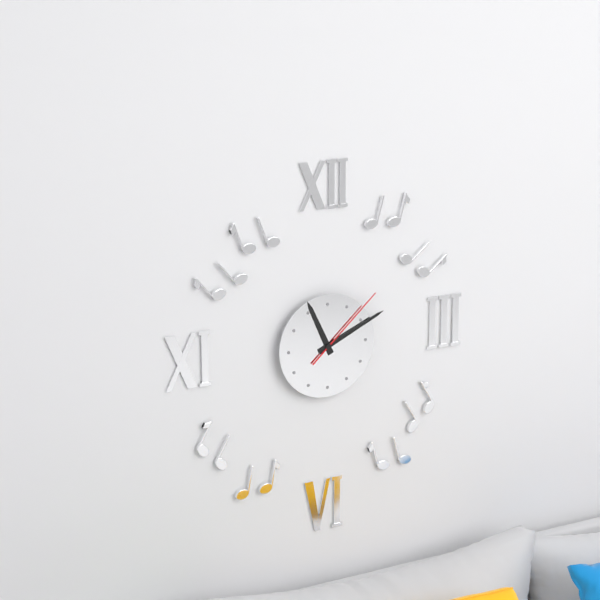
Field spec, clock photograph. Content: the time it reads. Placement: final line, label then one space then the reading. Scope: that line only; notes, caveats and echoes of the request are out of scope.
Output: 11:11:08
